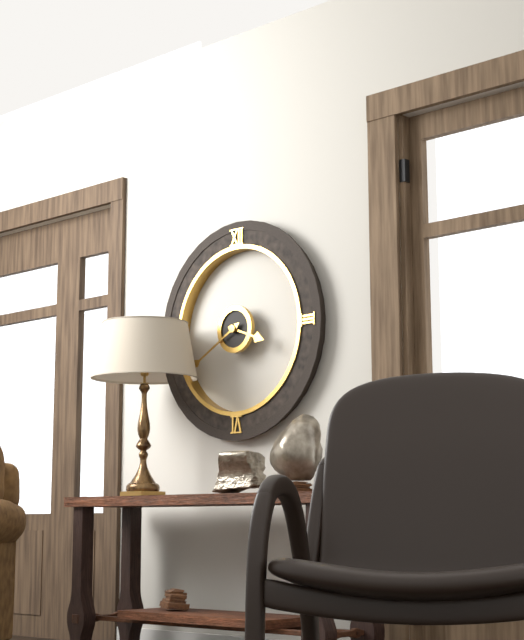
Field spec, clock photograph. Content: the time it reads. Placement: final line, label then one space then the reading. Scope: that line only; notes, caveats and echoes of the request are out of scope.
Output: 3:40
